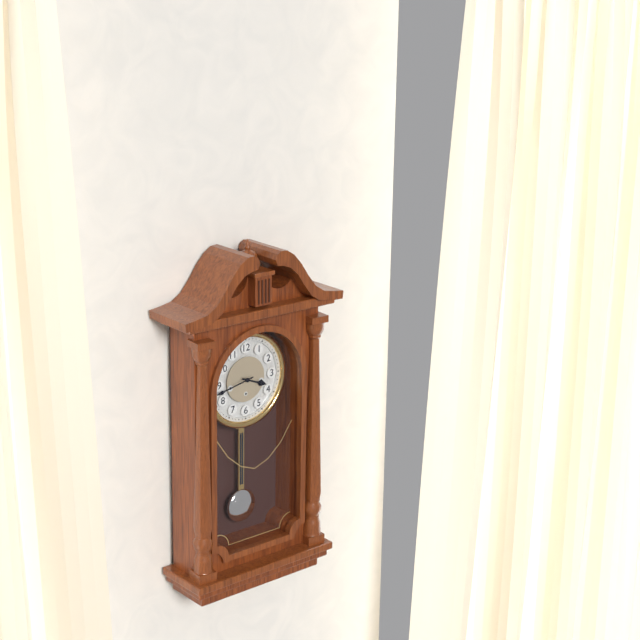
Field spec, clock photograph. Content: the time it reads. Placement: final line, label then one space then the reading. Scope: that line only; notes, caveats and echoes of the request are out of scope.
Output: 3:43
